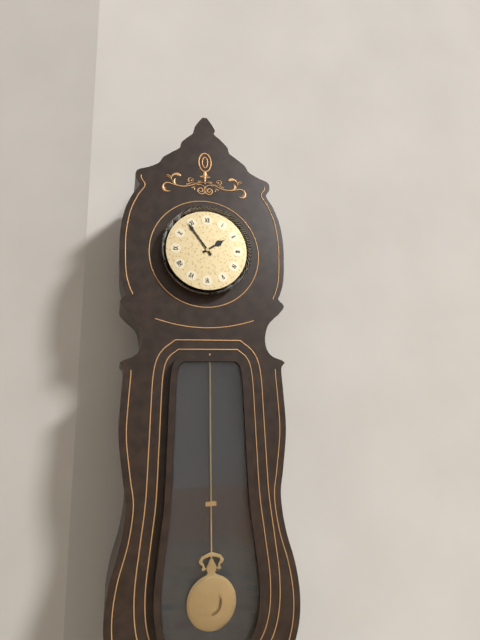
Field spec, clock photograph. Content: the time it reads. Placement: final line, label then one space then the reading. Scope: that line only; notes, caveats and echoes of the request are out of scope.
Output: 1:54
